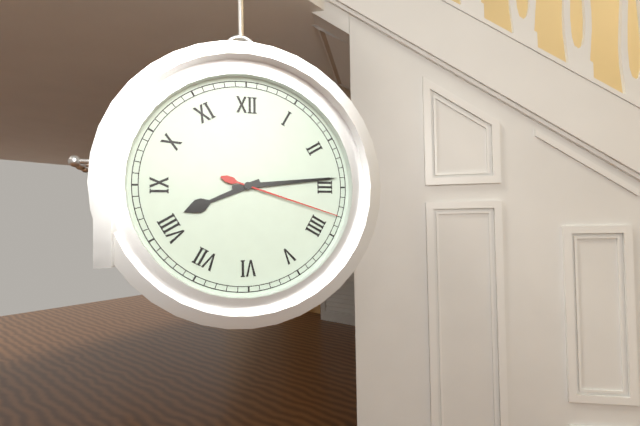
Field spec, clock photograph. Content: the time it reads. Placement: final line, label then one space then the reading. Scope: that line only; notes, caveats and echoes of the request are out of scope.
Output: 8:14:18
